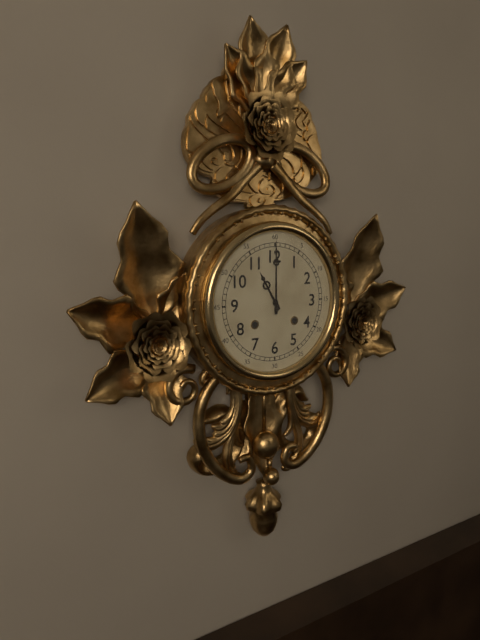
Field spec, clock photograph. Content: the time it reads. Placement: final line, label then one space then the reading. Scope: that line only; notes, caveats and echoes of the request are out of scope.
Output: 11:00
